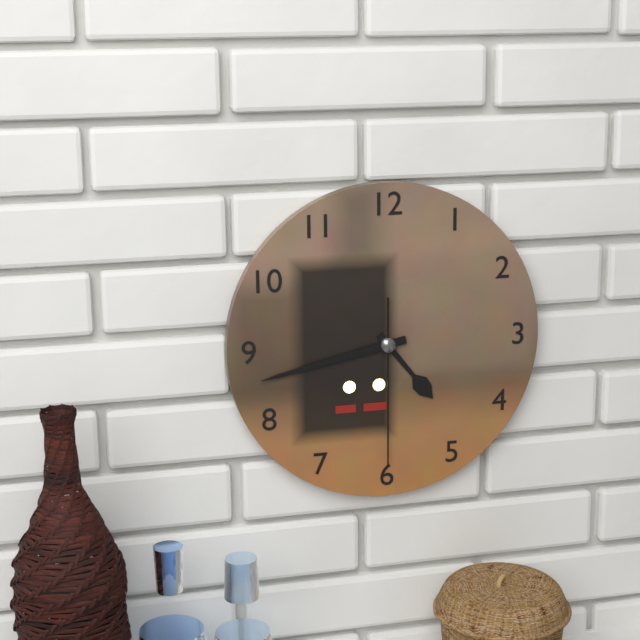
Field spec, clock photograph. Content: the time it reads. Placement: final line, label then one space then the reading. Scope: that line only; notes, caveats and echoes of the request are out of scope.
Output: 4:43:30
